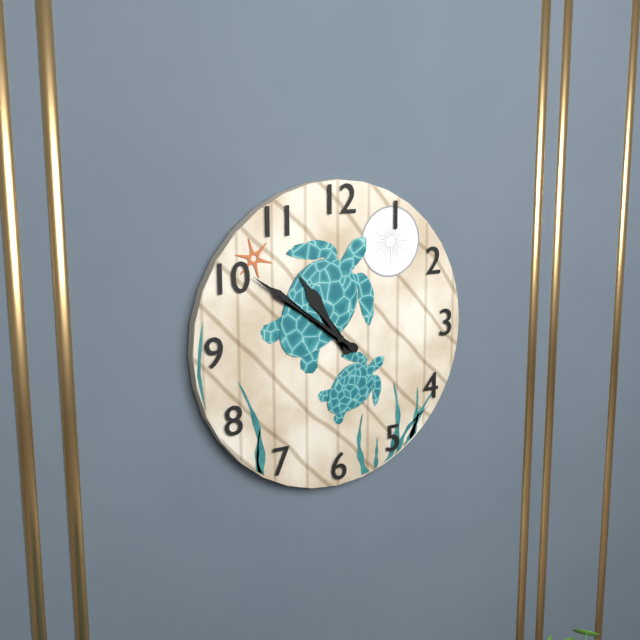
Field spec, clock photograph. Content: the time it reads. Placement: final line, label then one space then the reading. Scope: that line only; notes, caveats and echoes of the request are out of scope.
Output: 10:51
